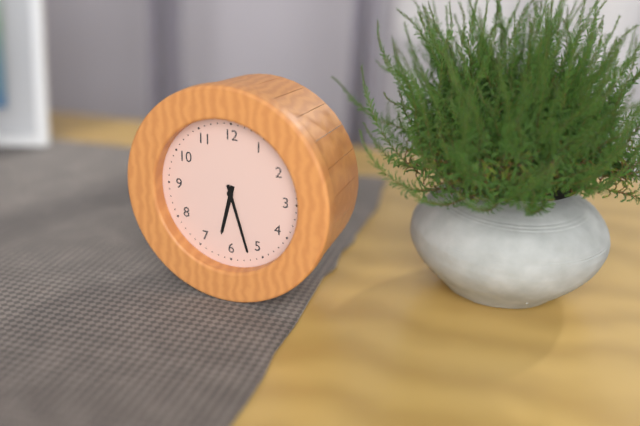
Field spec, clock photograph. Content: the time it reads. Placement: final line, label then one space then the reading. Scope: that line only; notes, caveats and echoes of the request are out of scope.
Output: 6:27
